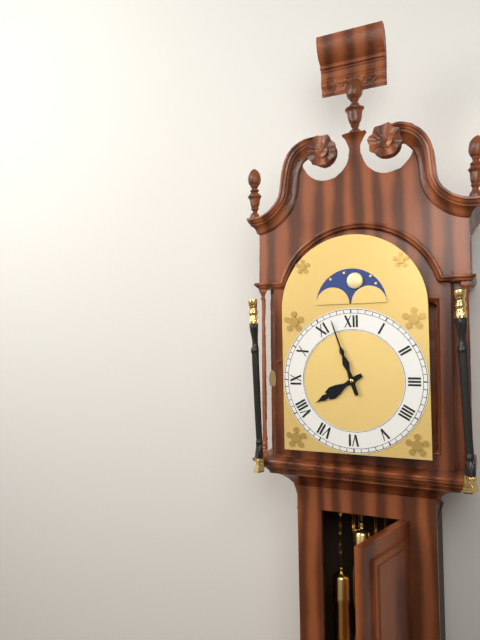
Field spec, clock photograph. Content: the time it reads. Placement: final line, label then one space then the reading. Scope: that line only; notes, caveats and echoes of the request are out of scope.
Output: 7:57
